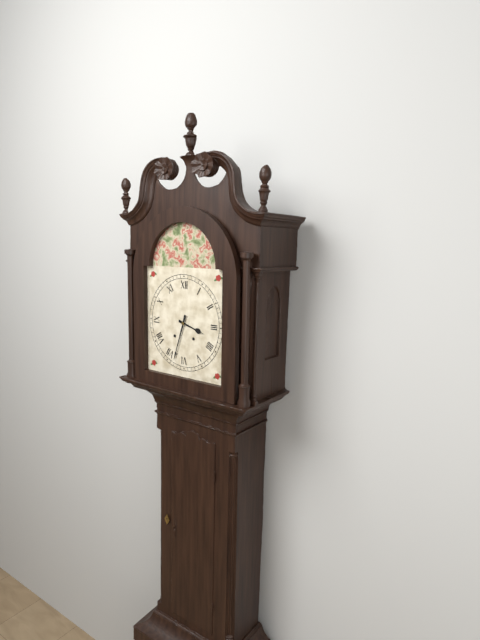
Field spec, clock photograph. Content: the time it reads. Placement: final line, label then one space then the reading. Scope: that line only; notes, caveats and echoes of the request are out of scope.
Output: 3:33
